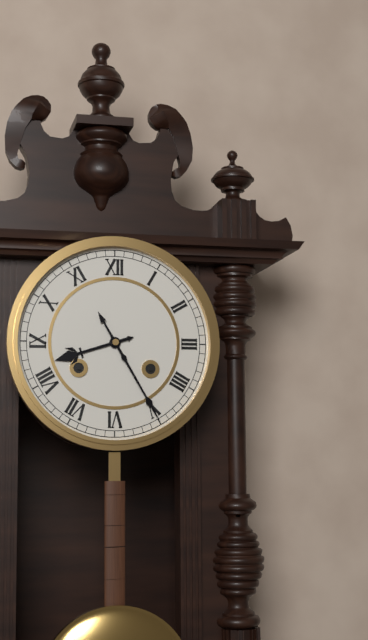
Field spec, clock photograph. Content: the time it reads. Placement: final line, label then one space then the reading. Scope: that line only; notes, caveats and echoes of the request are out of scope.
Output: 8:25
